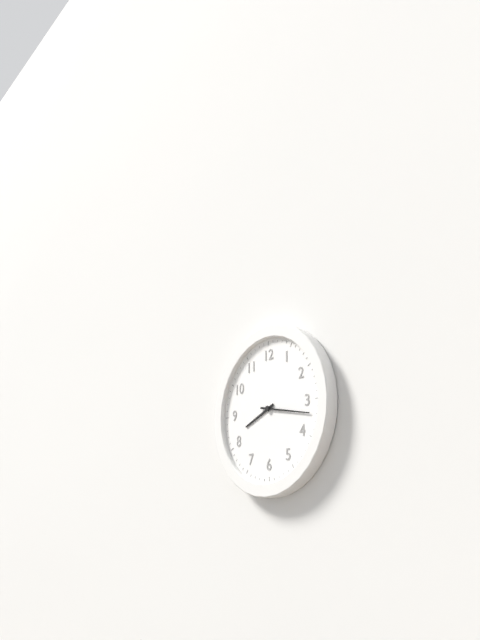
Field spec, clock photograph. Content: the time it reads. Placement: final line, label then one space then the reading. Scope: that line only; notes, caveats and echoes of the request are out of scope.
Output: 8:17
